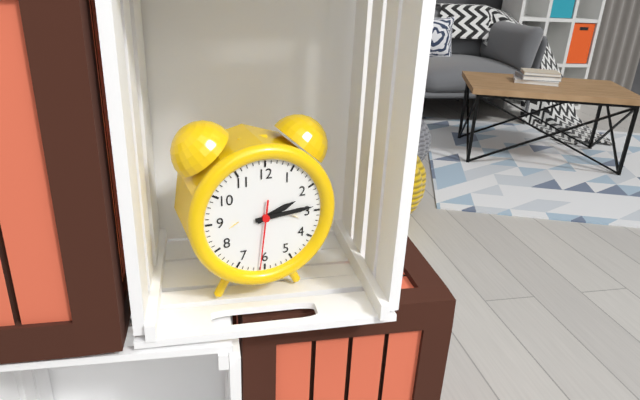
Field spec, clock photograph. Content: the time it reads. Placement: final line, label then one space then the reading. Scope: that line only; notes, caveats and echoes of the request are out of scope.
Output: 2:14:31
